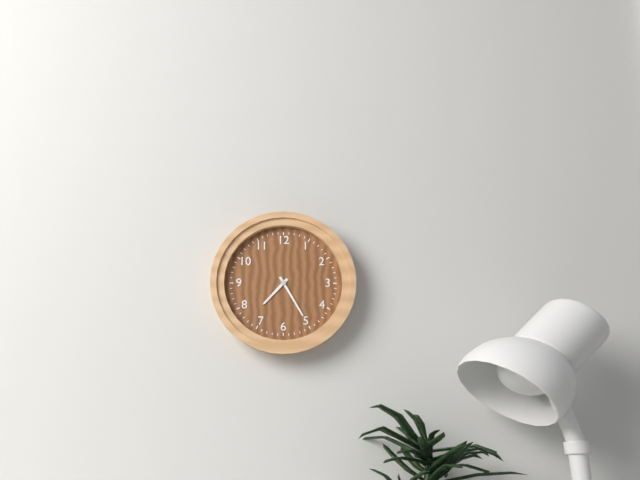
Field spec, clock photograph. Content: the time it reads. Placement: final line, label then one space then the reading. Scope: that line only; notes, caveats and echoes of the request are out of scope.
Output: 7:25
